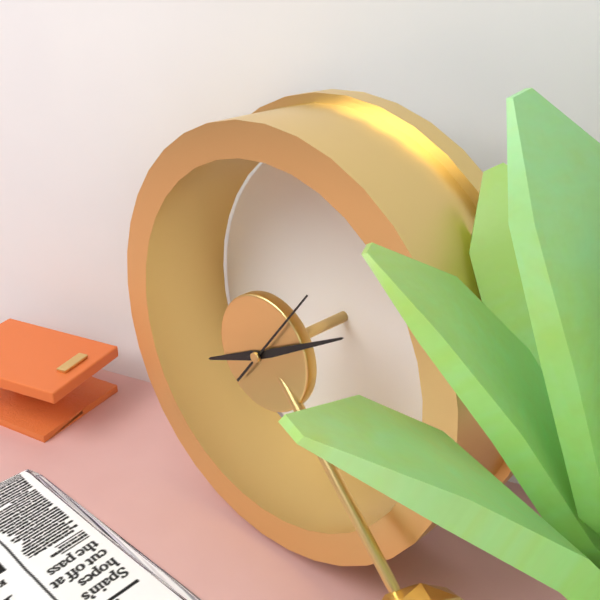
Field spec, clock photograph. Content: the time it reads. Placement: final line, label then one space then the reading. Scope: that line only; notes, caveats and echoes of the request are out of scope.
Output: 8:10:06
